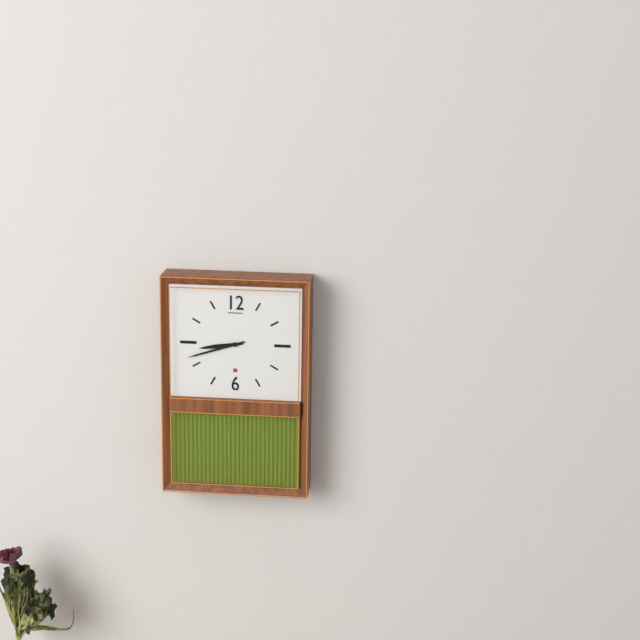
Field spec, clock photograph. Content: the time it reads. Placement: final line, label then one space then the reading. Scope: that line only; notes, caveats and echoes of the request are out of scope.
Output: 8:42
